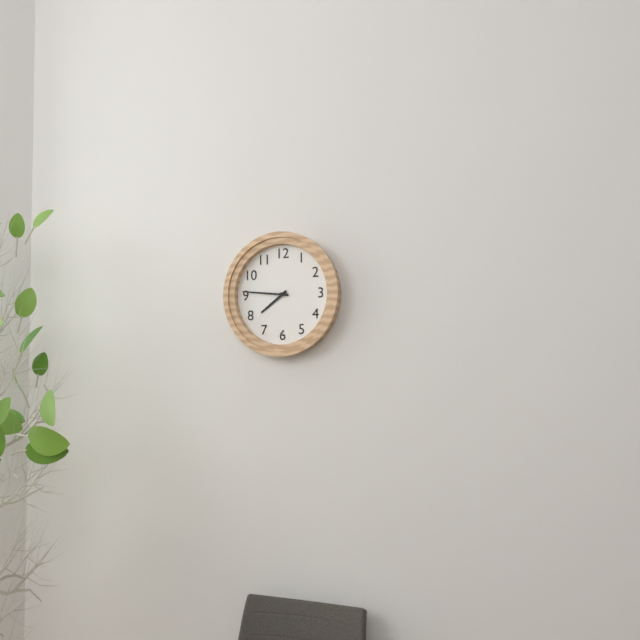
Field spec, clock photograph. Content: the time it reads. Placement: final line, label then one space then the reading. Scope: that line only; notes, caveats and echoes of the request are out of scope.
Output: 7:46
